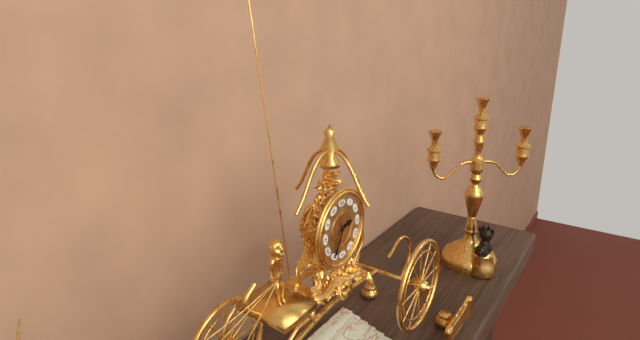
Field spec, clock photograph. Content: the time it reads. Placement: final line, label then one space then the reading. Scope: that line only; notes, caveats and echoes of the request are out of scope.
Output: 2:35
